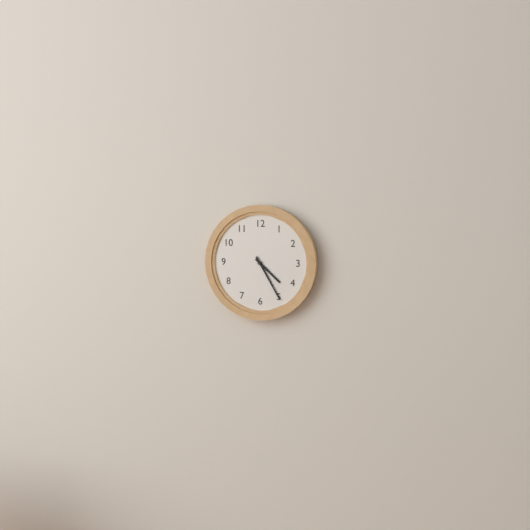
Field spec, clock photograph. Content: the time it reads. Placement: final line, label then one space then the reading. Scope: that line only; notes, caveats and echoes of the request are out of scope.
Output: 4:25
